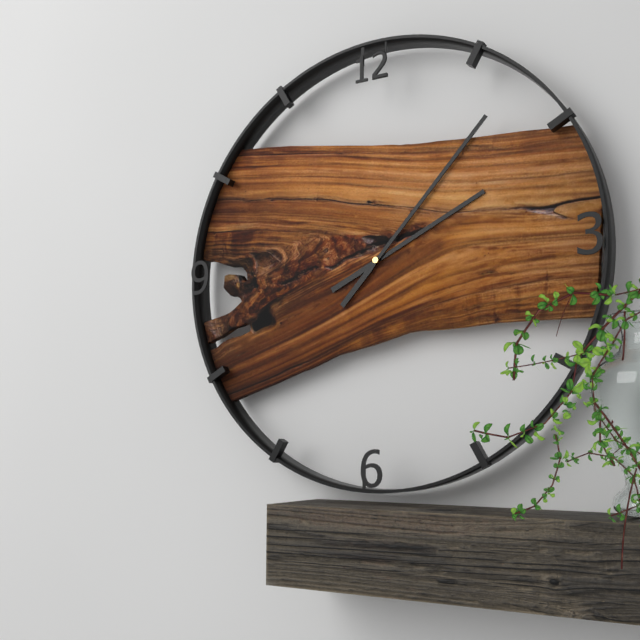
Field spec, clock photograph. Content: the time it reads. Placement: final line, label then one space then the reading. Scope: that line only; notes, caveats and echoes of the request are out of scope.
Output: 2:07
